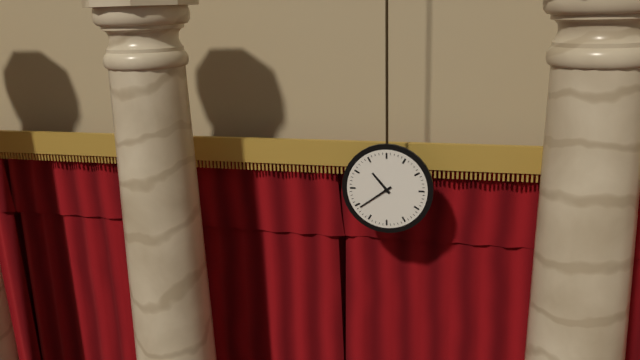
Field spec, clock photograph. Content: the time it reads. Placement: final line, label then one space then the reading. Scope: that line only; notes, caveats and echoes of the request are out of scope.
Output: 10:39
